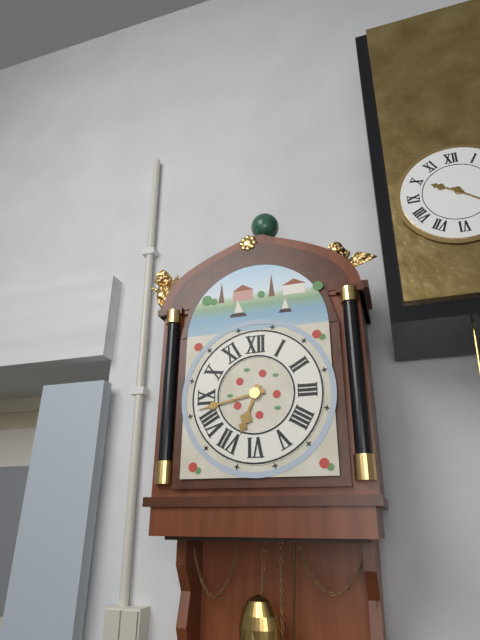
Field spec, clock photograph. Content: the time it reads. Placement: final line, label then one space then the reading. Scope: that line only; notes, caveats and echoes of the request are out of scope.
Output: 6:43
